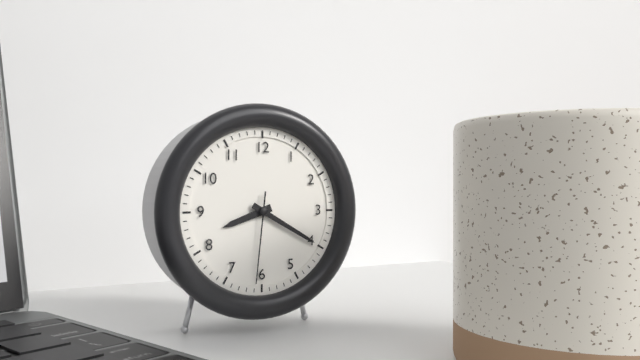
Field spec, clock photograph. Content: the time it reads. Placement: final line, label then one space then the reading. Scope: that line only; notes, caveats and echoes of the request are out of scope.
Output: 8:20:31
